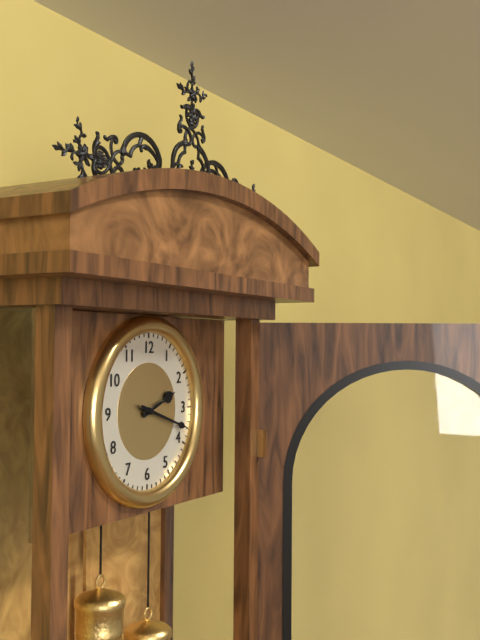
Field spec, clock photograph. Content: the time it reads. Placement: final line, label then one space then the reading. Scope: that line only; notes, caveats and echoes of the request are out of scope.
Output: 2:18
